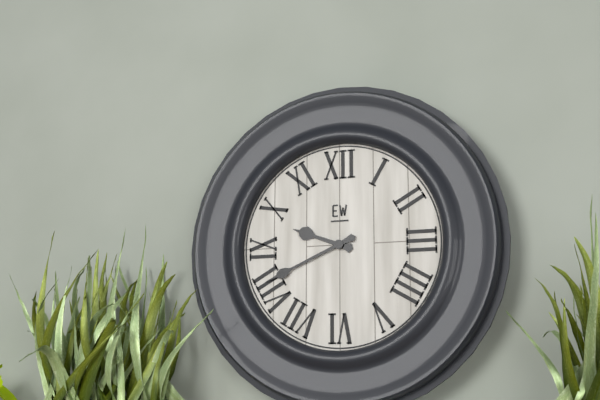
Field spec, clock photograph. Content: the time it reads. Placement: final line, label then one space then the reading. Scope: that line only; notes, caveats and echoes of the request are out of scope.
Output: 9:41
